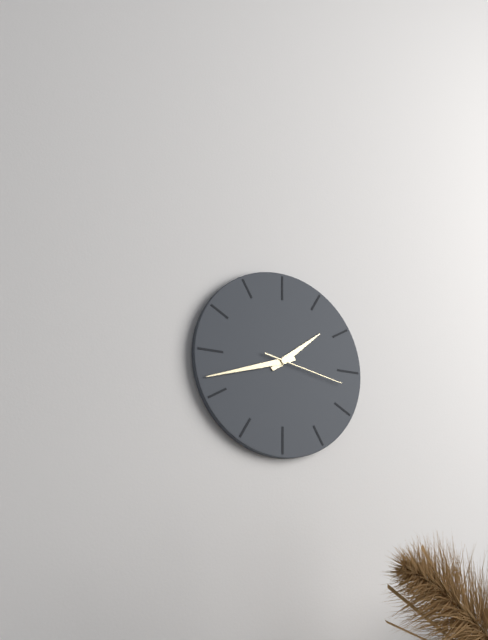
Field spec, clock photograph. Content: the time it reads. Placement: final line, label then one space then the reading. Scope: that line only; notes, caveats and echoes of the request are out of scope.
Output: 1:42:17
